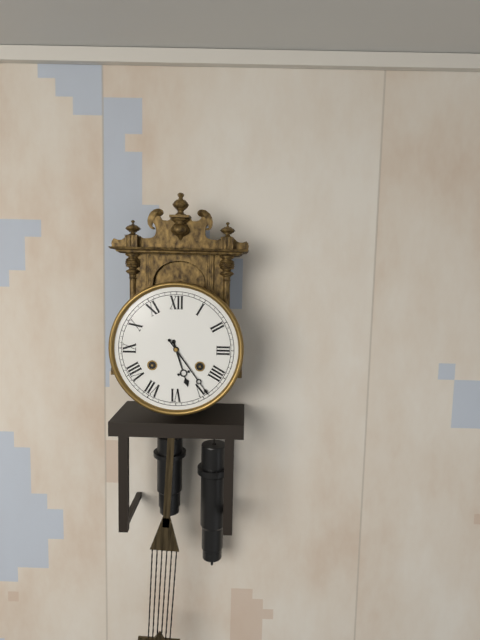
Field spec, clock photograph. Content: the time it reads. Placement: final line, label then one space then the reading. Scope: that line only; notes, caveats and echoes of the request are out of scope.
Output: 5:24
